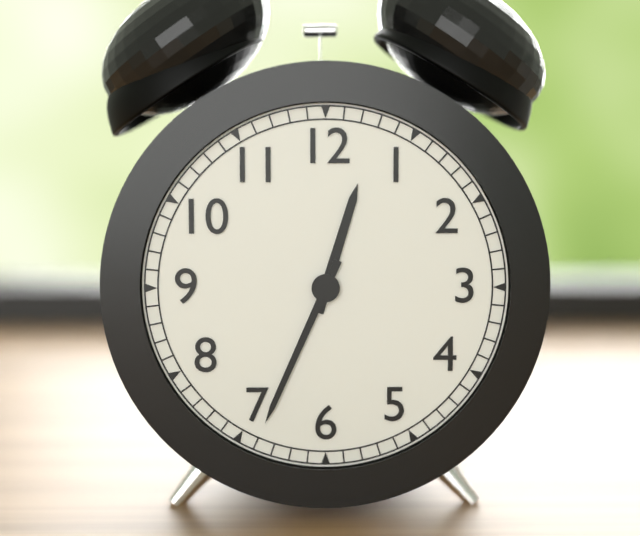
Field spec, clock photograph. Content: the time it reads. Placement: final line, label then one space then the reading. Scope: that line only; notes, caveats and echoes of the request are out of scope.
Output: 12:34
